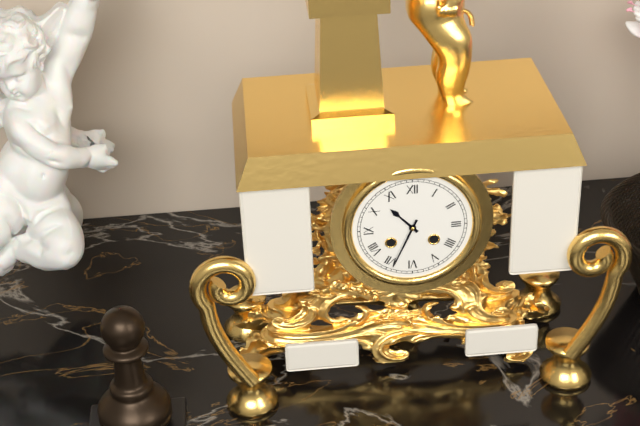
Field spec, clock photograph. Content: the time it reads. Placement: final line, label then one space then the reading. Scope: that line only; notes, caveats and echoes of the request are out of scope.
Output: 10:34
